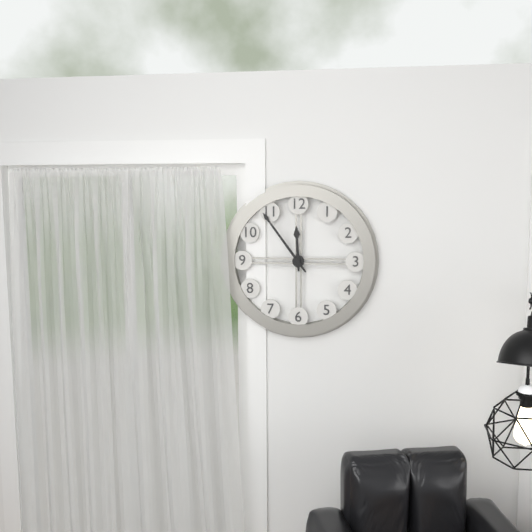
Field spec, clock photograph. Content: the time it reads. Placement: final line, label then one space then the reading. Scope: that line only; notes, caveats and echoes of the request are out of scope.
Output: 11:54
